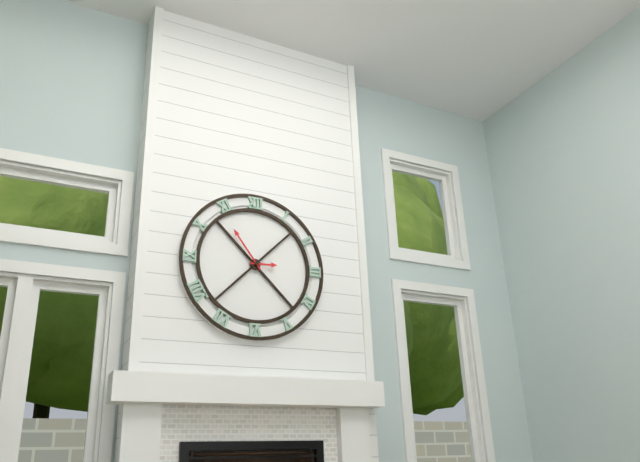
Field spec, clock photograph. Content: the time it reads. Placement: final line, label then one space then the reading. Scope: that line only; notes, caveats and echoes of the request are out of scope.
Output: 2:54
